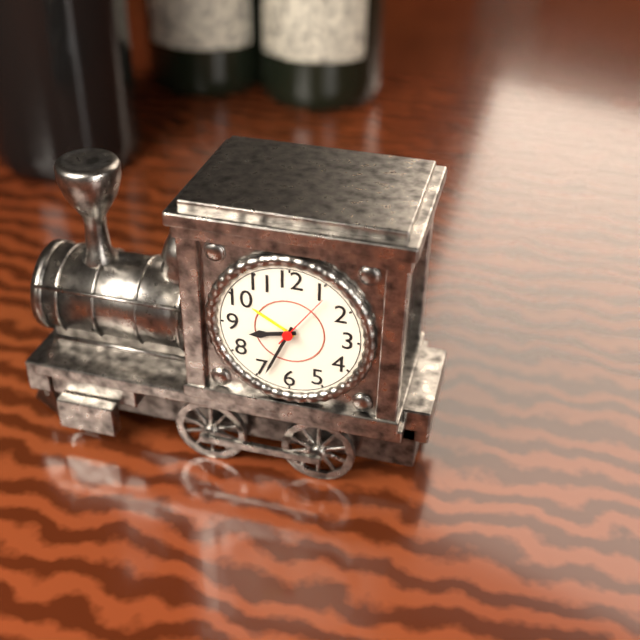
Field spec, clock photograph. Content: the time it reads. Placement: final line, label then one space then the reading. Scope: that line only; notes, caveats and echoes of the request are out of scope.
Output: 8:34:06
